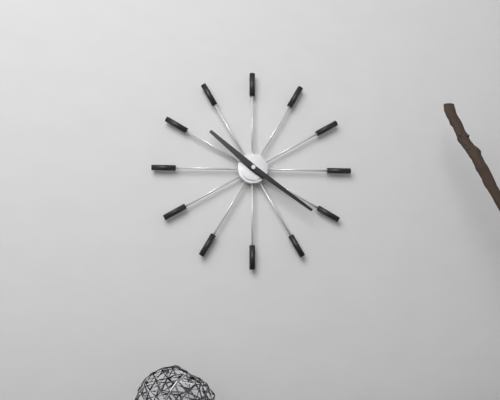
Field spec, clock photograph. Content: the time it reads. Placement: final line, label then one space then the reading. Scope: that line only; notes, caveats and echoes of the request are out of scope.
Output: 10:21
